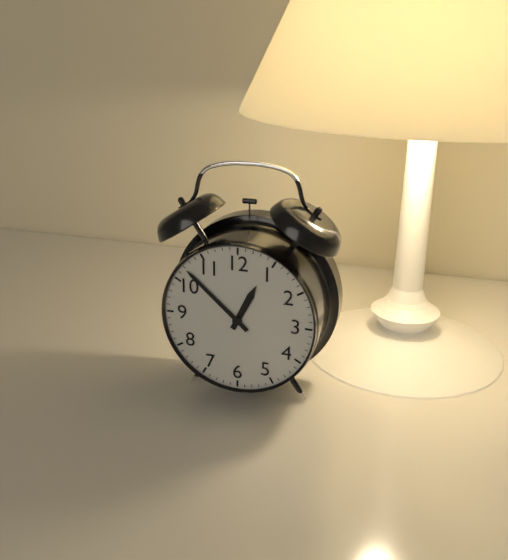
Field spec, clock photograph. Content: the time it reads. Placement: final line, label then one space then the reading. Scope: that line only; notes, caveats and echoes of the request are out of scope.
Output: 12:52
